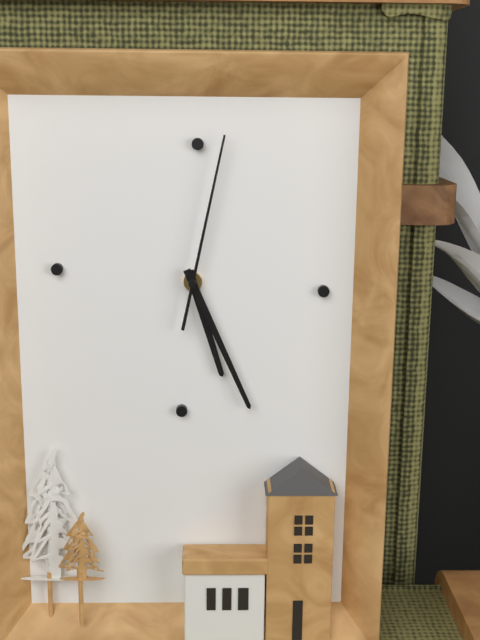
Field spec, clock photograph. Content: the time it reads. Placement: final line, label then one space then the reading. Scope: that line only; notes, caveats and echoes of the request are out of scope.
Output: 5:26:02
